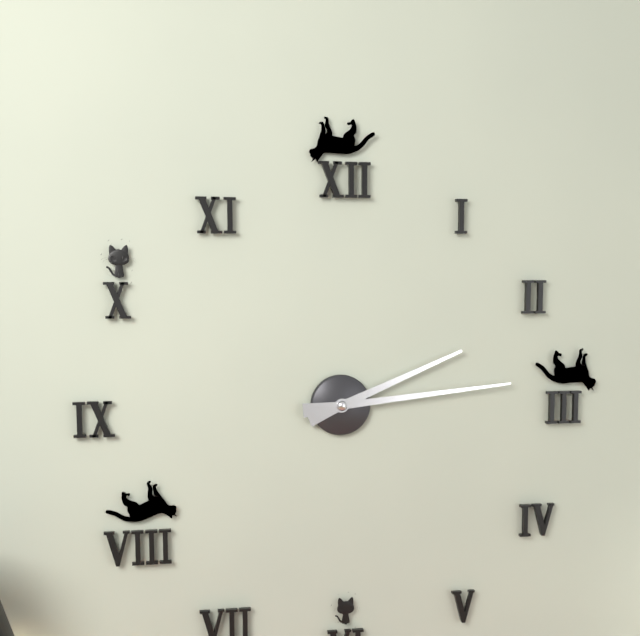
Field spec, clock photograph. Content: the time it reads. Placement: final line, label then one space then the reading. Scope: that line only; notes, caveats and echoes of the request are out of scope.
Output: 2:14
